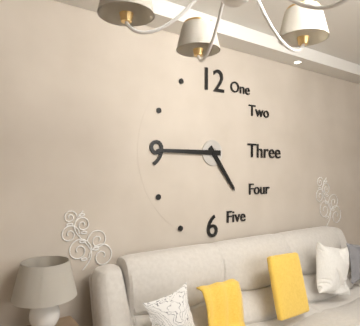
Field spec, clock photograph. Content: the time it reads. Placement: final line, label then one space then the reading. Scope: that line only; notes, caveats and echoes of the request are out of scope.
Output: 4:45
